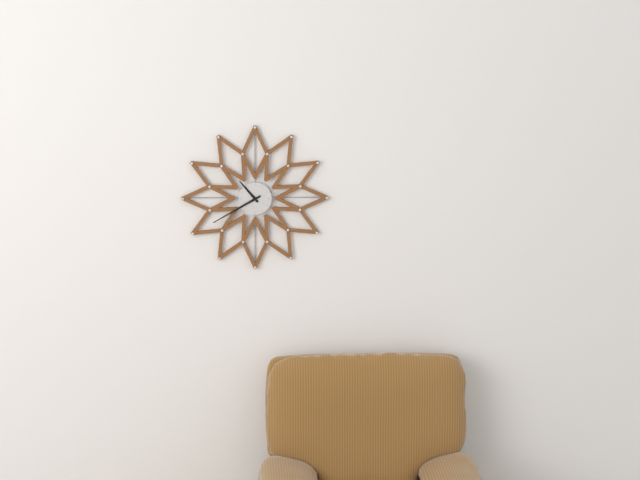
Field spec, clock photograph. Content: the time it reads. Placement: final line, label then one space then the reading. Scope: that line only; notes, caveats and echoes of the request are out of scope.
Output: 10:40
